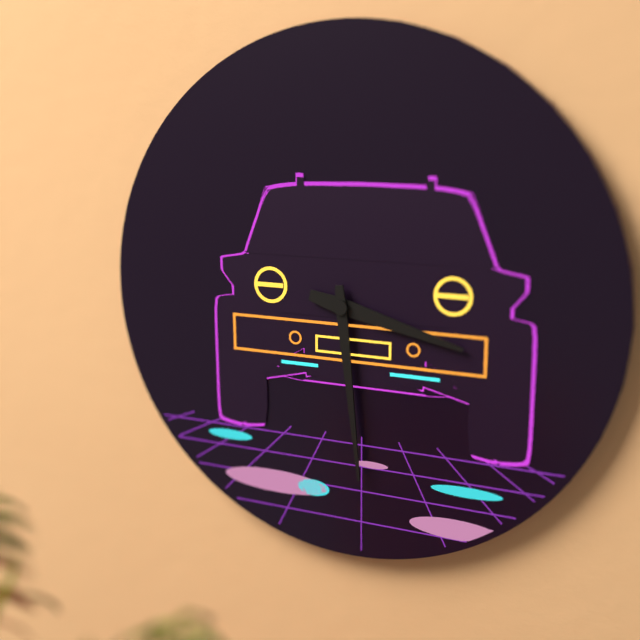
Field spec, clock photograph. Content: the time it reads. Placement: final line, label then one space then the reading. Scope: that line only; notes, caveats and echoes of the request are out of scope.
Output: 3:29
